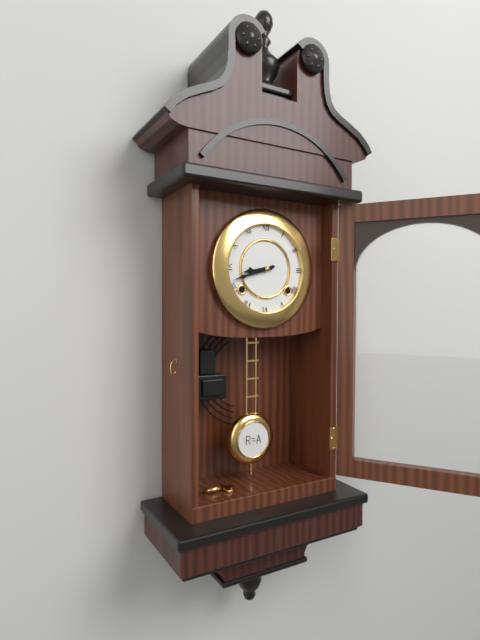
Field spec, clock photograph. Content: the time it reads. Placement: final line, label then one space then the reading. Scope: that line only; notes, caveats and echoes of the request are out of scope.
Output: 8:42
